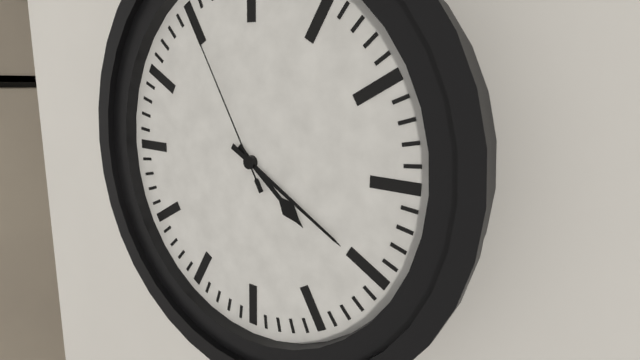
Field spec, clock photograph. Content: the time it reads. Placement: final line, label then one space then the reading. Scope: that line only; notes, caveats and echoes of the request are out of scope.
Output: 4:20:55
